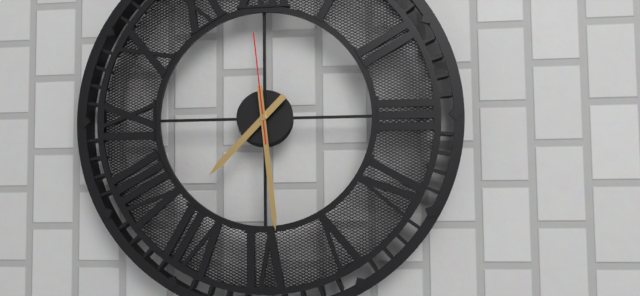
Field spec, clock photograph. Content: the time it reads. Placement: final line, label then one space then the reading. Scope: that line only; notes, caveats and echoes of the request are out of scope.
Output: 7:29:59
